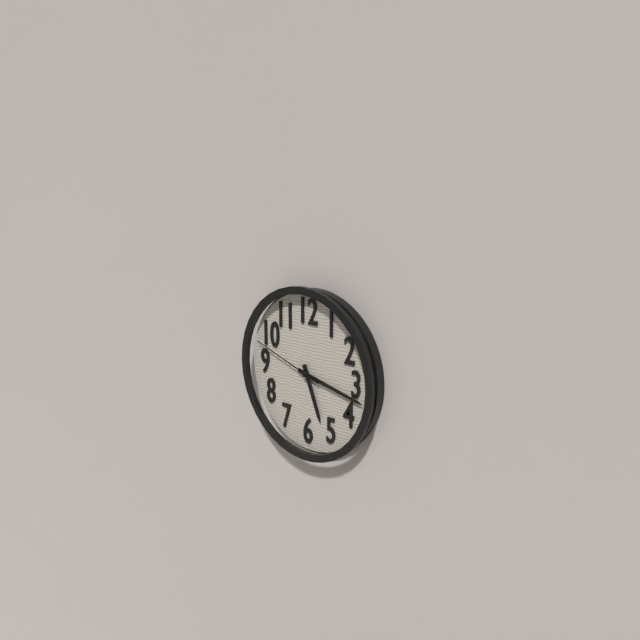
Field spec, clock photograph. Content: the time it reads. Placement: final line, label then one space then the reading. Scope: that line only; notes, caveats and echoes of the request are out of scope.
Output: 5:17:48
